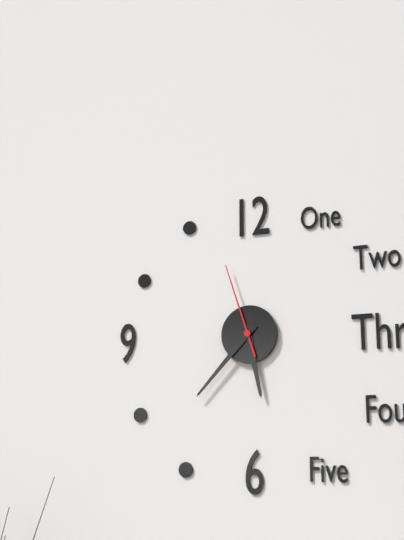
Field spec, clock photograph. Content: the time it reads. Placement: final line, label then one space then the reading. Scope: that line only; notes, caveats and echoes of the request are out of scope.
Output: 5:37:57
